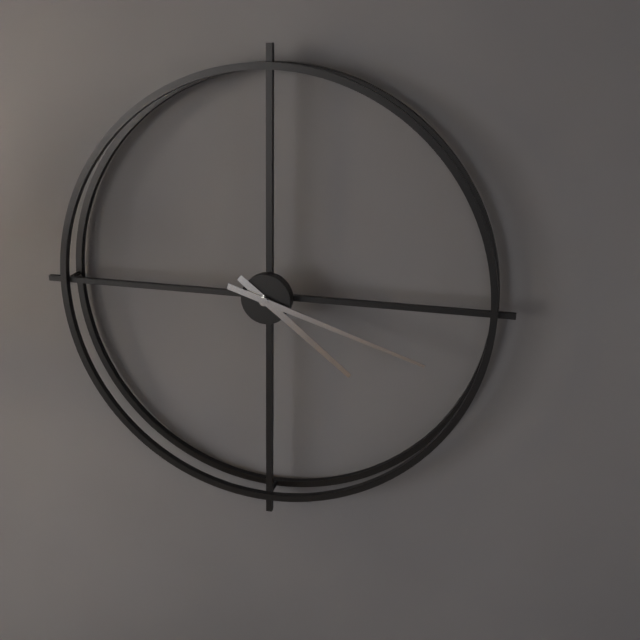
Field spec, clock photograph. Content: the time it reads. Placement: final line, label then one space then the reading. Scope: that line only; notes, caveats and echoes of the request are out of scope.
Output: 4:18
